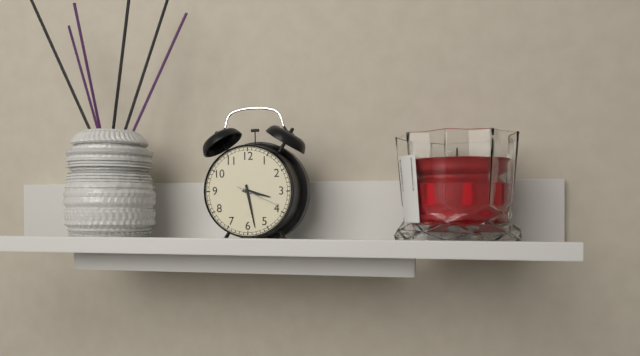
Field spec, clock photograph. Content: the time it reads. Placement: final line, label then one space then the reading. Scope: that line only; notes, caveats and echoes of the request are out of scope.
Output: 3:28
